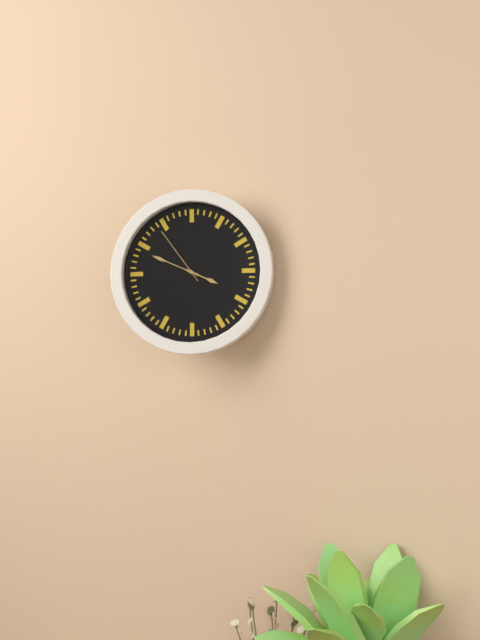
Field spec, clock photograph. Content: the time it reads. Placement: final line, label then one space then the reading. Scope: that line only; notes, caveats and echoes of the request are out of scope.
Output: 3:49:54
